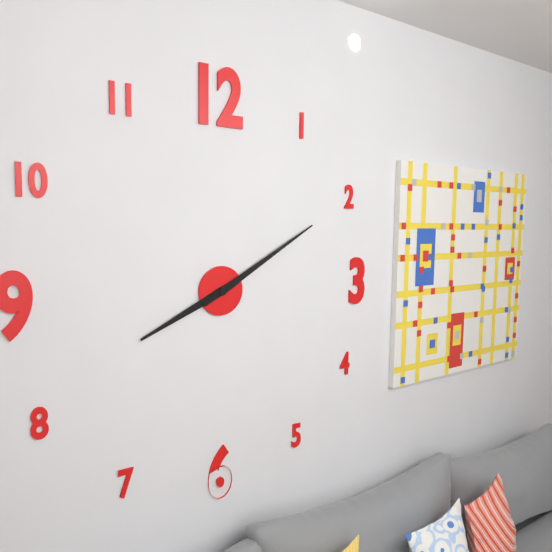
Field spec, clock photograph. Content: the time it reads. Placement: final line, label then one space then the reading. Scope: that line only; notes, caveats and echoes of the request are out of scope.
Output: 8:10
